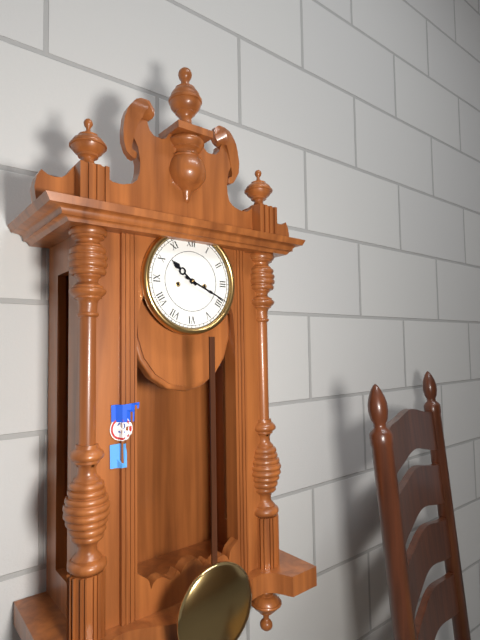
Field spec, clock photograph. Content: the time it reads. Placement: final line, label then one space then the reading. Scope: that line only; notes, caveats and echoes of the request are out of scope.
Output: 10:19
